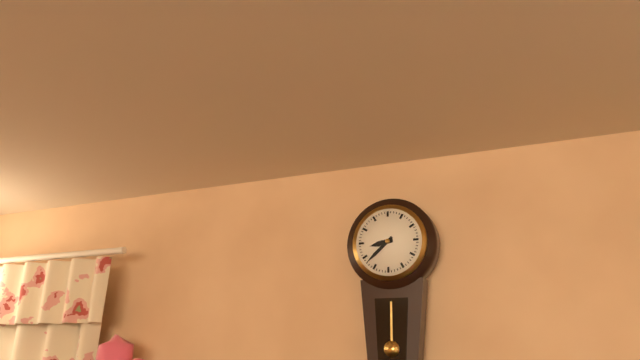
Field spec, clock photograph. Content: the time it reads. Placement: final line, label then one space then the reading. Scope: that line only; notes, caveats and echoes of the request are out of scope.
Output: 8:38
